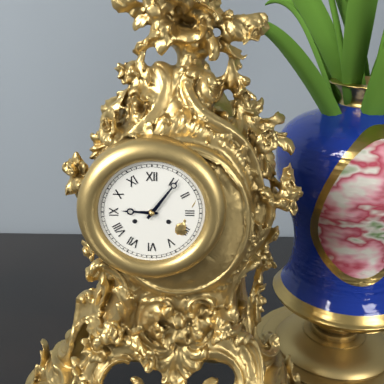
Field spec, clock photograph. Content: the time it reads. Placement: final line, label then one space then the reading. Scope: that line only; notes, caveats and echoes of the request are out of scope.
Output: 9:06
